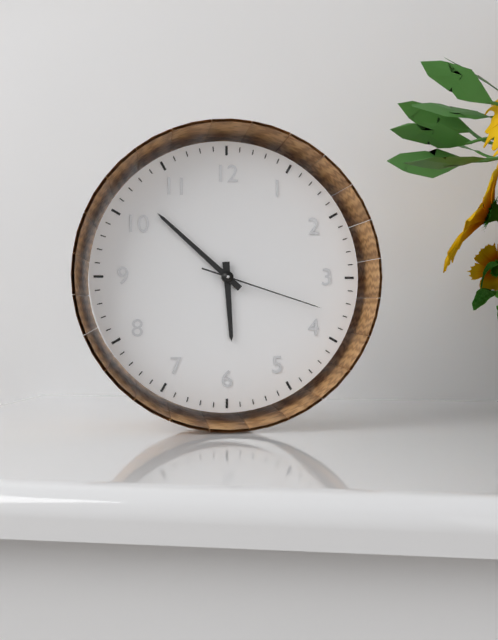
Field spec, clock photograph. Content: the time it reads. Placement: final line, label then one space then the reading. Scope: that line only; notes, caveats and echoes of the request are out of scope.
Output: 5:52:18
